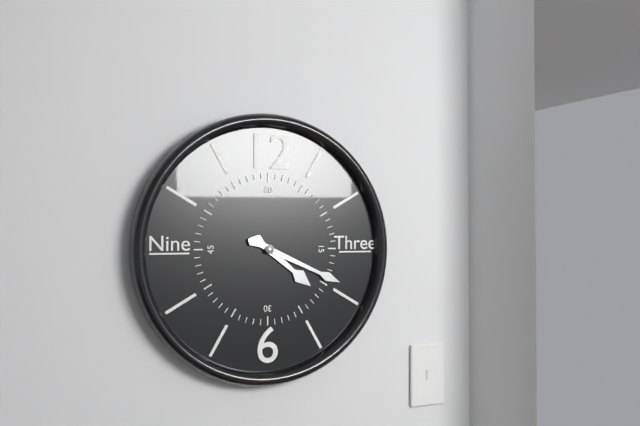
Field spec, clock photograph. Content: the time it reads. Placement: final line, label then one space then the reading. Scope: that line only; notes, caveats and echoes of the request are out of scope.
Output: 4:19
